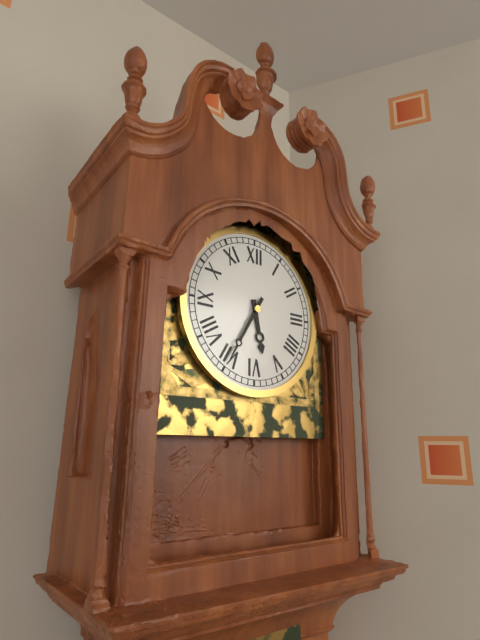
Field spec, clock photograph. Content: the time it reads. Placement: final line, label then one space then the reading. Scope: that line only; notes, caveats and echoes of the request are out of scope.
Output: 5:35
